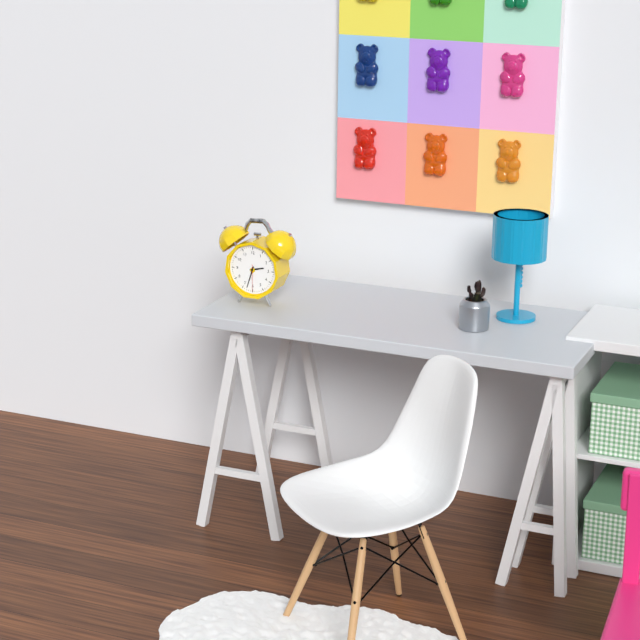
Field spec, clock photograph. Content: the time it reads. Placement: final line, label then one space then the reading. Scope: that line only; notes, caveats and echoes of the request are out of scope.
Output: 2:33
